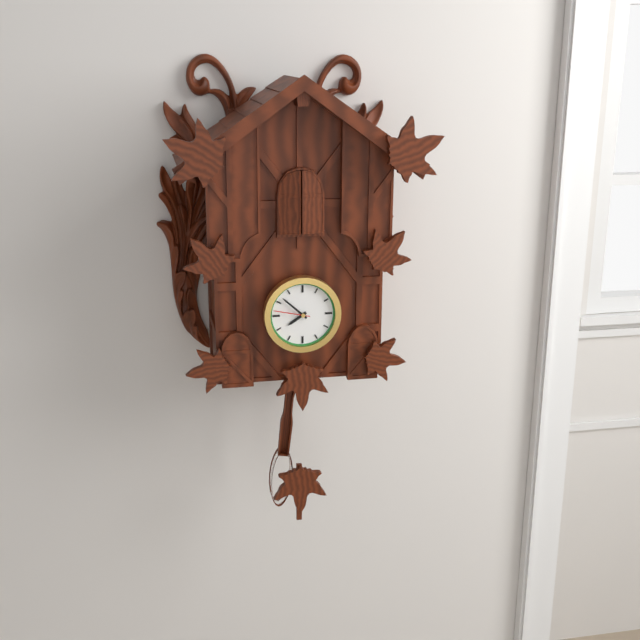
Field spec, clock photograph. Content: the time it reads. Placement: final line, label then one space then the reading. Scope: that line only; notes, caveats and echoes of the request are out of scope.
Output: 7:52
